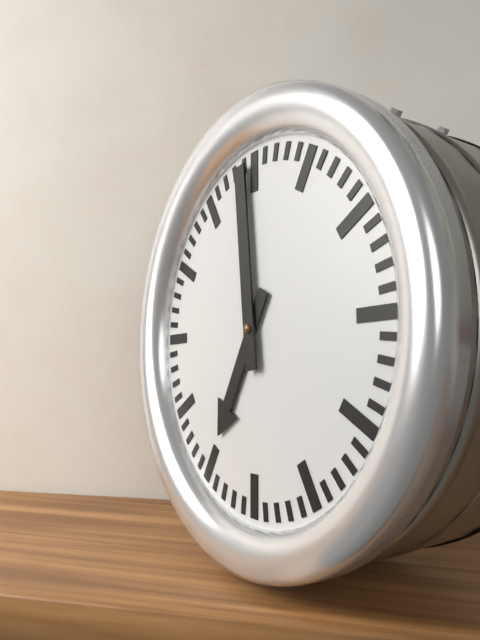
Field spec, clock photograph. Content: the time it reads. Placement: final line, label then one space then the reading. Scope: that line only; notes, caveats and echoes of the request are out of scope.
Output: 6:59
